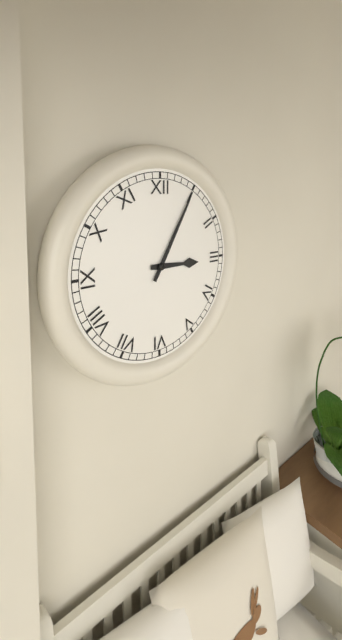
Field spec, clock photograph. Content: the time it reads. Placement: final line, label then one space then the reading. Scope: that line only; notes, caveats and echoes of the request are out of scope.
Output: 3:05
